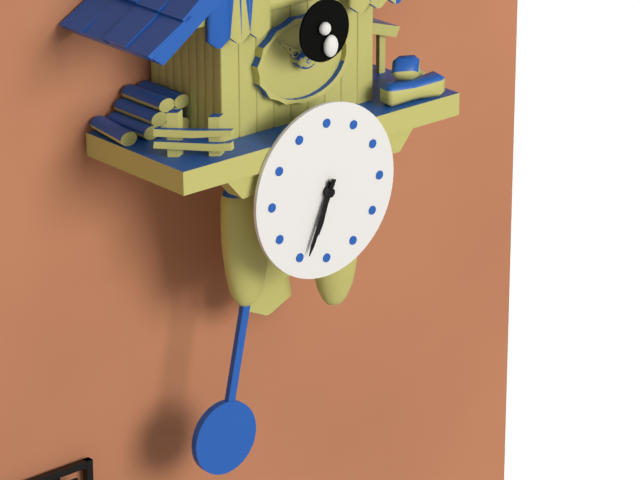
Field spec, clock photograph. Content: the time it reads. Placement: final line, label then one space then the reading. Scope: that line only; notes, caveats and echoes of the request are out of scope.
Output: 6:34
